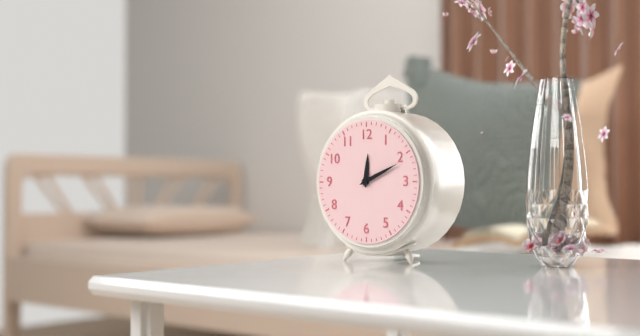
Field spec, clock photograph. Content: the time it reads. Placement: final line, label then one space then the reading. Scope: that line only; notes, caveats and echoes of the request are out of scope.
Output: 12:11
